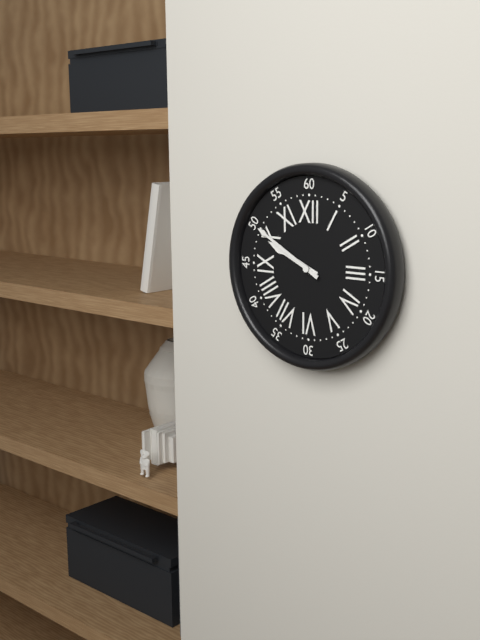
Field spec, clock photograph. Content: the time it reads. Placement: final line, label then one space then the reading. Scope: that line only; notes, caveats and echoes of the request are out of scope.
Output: 9:50
